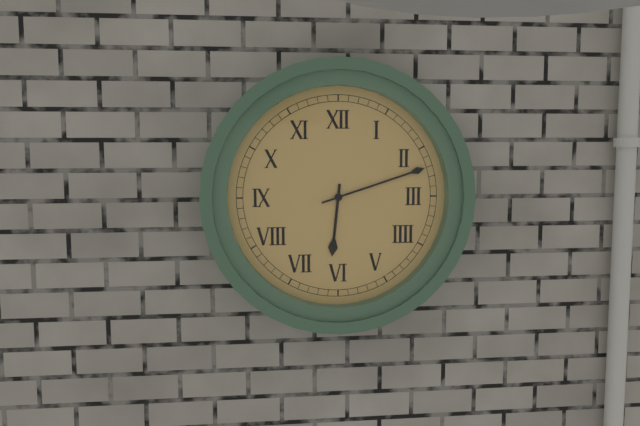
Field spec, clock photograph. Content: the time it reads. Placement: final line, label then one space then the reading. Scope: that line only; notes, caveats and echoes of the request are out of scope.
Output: 6:12
